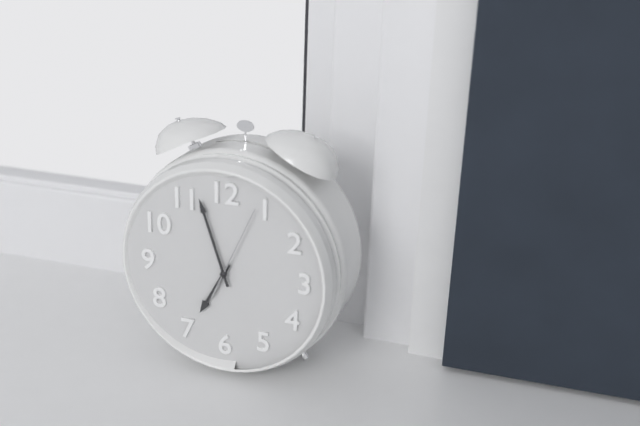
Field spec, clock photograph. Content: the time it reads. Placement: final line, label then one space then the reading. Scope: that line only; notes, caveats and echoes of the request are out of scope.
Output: 6:57:04
